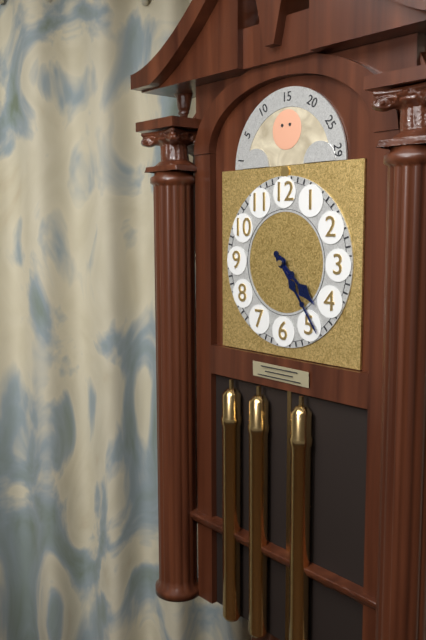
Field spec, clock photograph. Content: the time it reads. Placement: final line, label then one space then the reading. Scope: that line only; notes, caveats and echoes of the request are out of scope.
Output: 4:24
